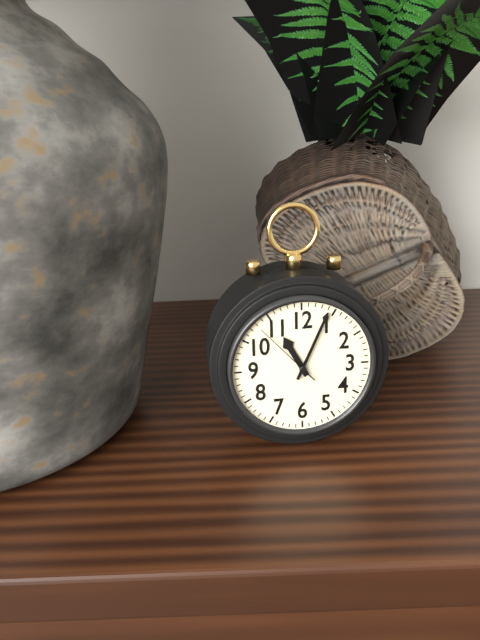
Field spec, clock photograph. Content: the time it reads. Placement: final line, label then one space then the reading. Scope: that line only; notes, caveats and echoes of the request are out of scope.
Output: 11:04:53
